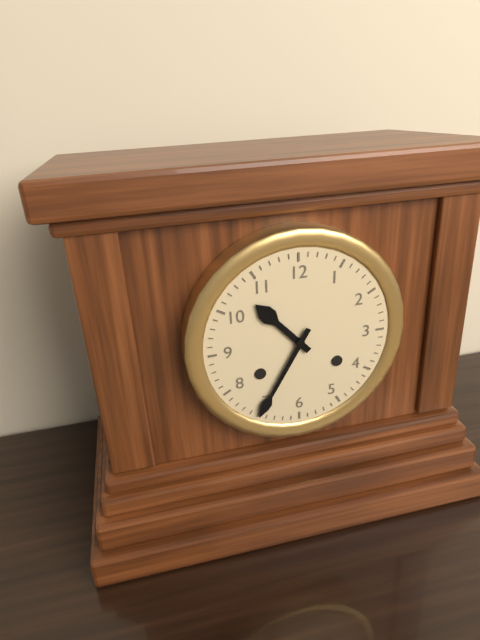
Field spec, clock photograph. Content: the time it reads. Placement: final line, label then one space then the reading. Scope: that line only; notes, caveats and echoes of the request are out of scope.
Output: 10:35
